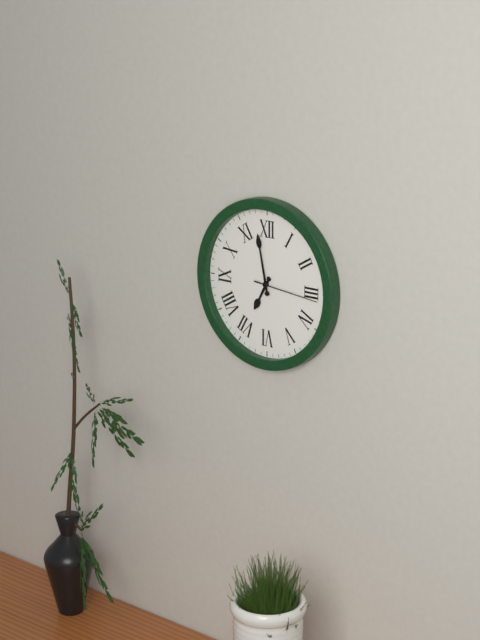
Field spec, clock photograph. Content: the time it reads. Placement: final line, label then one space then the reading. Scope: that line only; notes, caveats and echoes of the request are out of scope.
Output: 6:58:16
